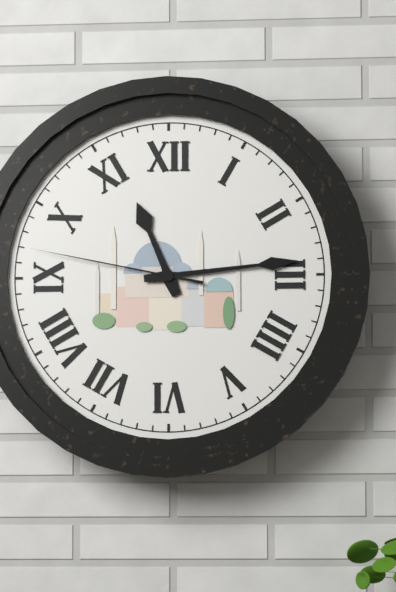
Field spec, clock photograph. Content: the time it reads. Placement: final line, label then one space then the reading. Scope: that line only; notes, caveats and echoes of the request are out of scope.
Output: 11:14:47
